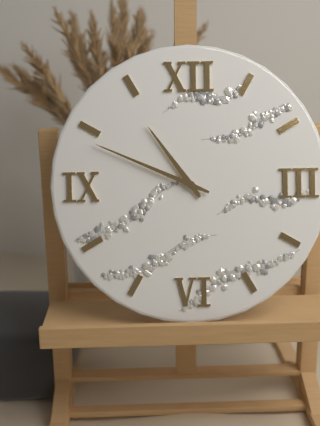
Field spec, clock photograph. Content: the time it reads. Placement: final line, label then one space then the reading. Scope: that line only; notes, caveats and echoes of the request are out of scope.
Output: 10:49
